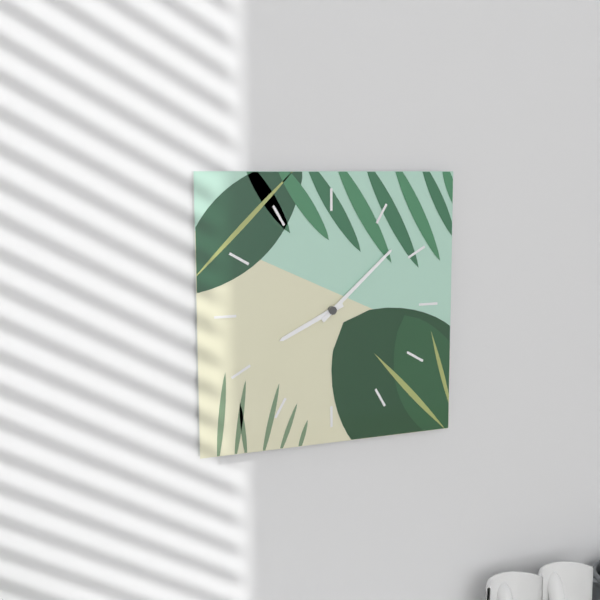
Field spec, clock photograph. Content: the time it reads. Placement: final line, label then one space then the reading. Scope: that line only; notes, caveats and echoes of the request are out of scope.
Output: 8:08
